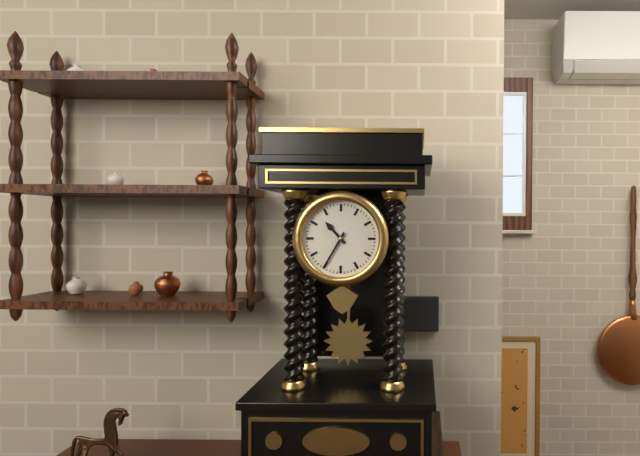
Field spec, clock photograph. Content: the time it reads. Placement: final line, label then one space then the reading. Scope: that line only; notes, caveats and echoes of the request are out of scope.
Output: 10:35
